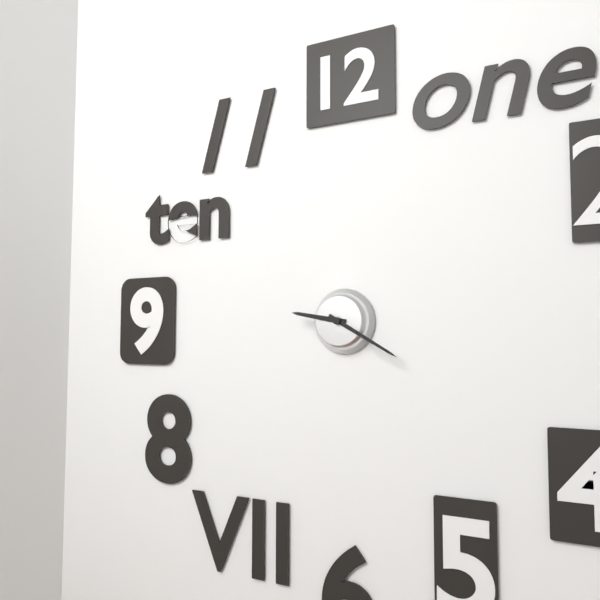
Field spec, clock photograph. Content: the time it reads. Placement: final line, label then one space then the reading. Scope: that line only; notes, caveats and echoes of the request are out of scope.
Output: 9:20
